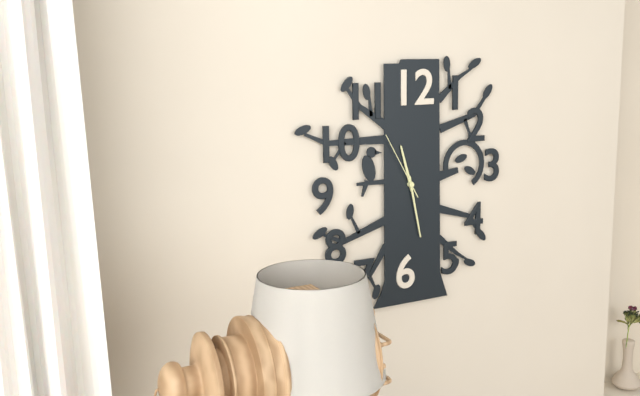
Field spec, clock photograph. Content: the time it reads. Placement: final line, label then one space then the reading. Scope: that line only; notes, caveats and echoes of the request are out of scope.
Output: 11:28:55
